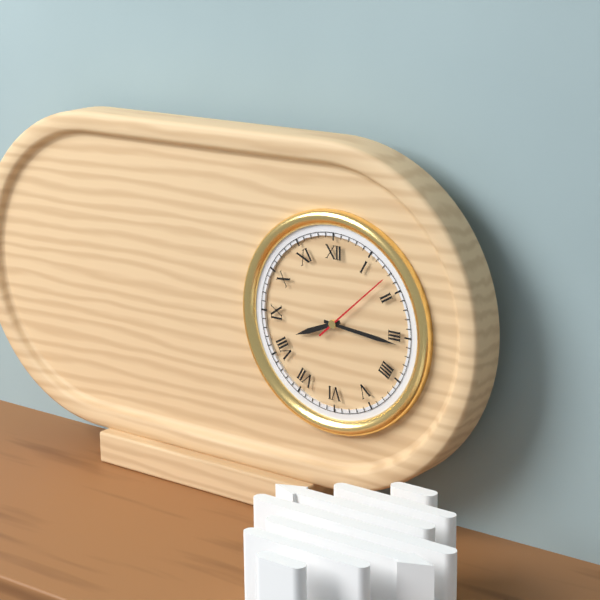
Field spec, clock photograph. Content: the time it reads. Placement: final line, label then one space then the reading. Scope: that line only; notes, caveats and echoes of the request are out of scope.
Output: 8:16
